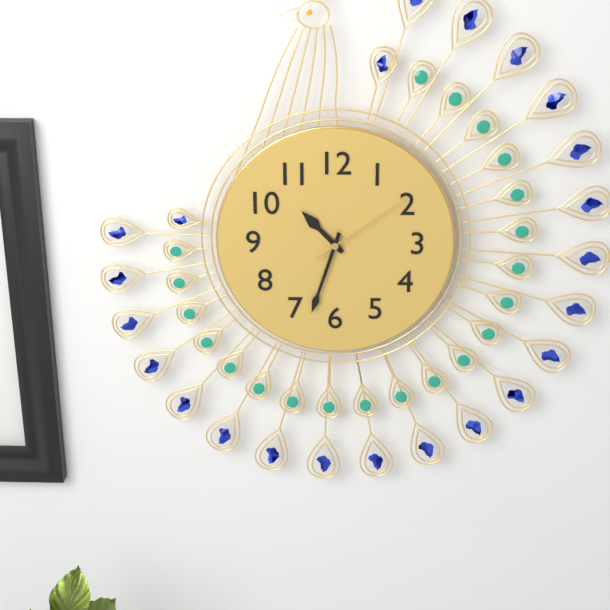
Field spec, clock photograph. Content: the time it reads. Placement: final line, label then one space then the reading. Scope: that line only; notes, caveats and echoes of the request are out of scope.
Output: 10:33:09
